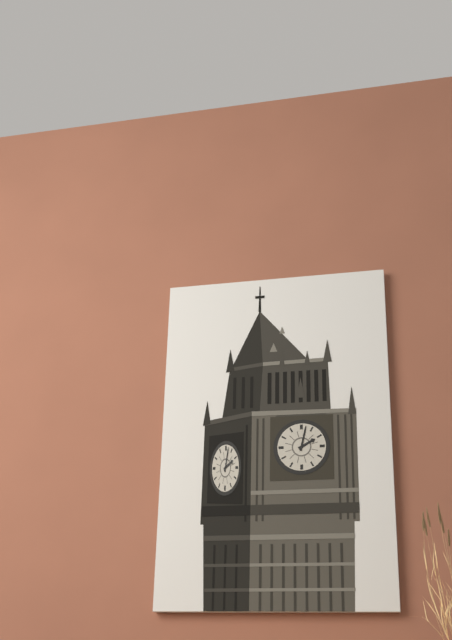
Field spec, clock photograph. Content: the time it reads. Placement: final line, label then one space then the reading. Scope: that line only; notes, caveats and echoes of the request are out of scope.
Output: 2:02
